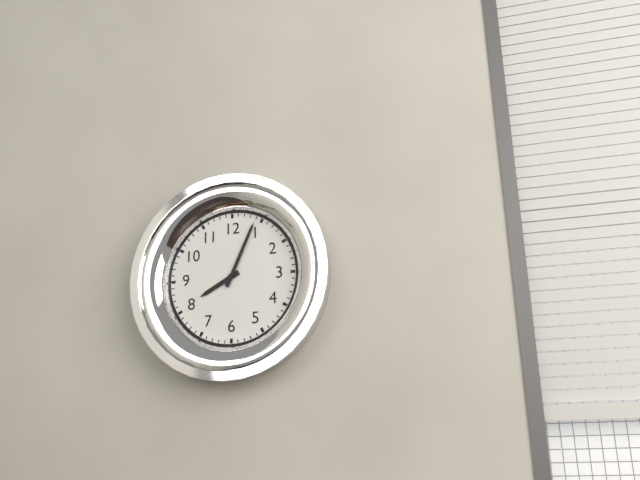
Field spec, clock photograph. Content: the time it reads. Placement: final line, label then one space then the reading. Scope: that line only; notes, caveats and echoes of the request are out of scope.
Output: 8:04
